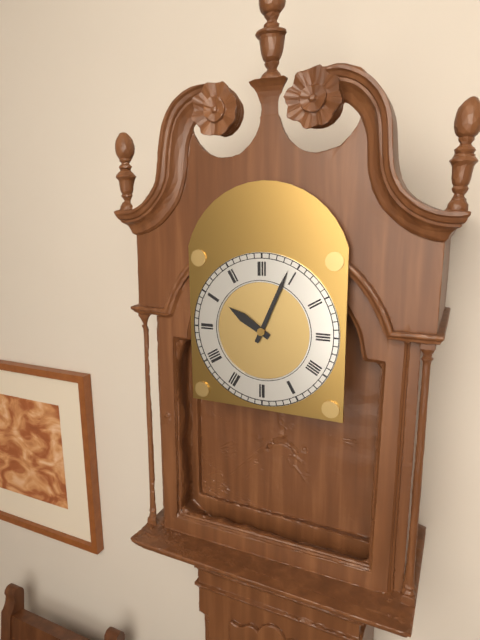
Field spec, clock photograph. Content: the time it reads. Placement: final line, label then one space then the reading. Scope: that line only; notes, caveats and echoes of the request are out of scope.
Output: 10:04
